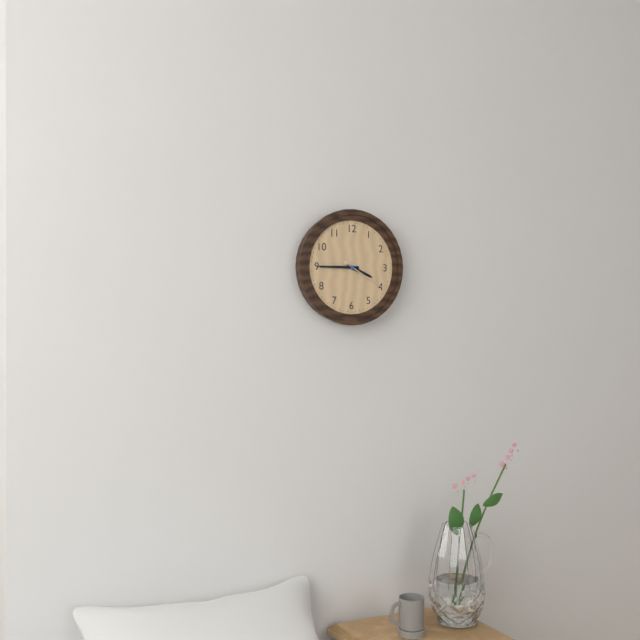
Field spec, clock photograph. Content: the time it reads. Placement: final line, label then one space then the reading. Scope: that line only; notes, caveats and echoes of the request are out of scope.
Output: 3:45
